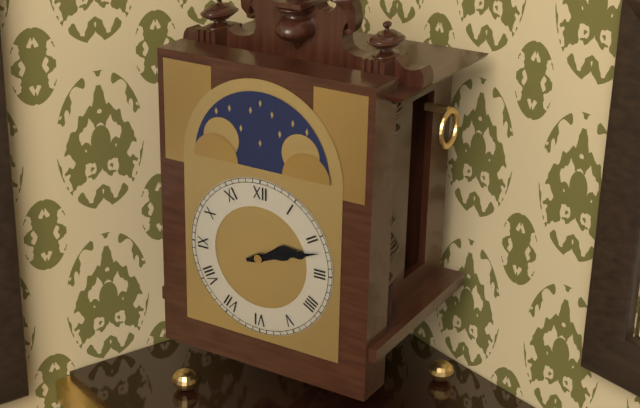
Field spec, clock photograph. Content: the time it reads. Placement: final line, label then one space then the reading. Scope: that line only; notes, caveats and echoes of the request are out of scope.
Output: 2:12
